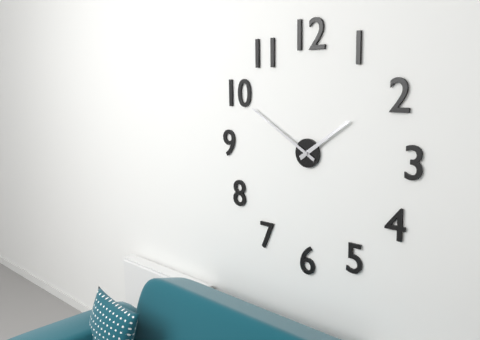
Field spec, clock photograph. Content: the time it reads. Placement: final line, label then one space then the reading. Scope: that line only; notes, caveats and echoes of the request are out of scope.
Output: 1:50
